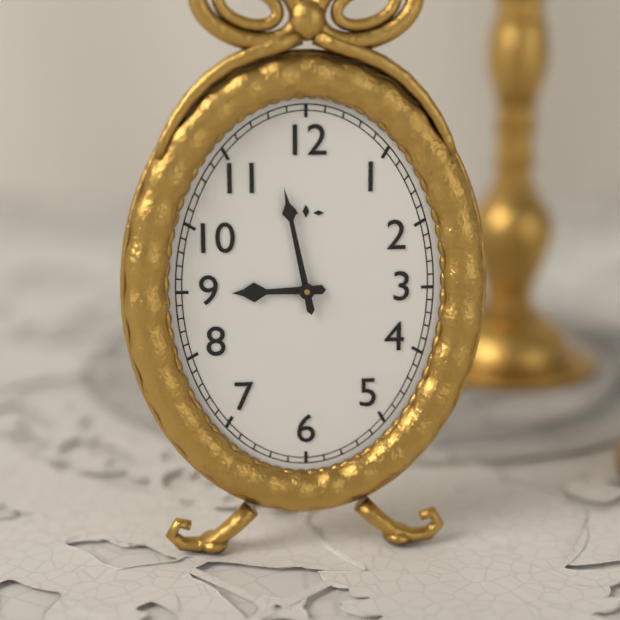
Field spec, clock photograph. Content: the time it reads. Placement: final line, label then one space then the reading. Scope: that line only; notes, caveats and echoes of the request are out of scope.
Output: 8:58
